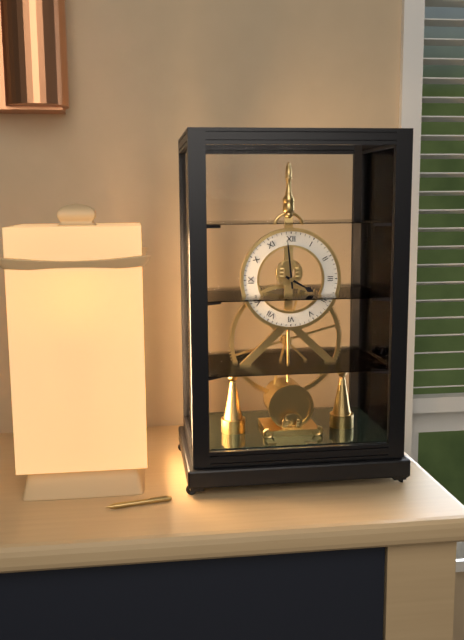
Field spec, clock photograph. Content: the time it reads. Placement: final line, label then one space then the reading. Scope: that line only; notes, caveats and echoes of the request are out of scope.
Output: 3:59
